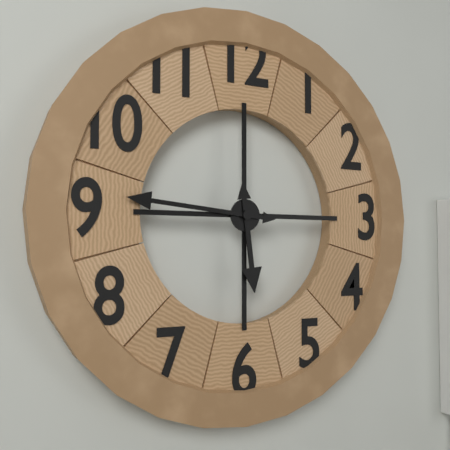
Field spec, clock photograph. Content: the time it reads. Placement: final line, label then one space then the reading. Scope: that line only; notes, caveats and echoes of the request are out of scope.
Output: 5:46
